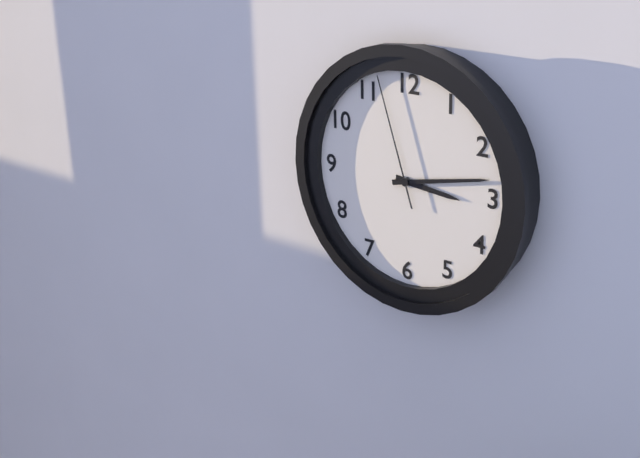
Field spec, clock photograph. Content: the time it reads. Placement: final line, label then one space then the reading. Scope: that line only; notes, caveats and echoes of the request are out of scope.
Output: 3:13:57
